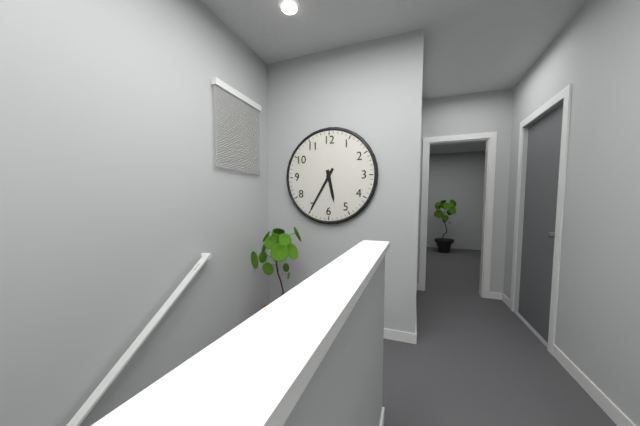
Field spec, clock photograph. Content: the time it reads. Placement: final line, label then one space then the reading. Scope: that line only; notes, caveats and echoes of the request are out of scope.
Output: 5:35
